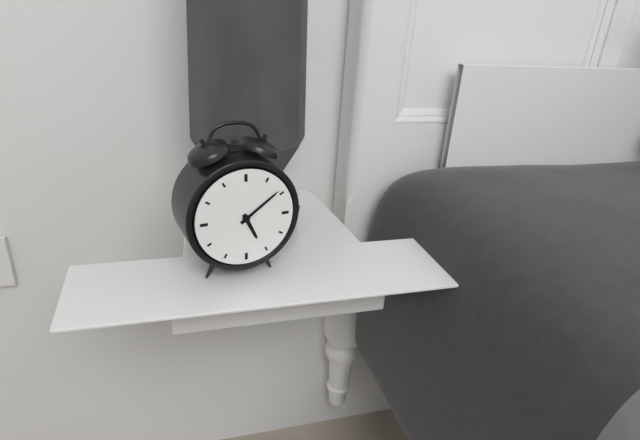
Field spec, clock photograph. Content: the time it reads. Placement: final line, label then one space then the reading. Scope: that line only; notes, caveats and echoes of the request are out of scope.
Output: 5:09
